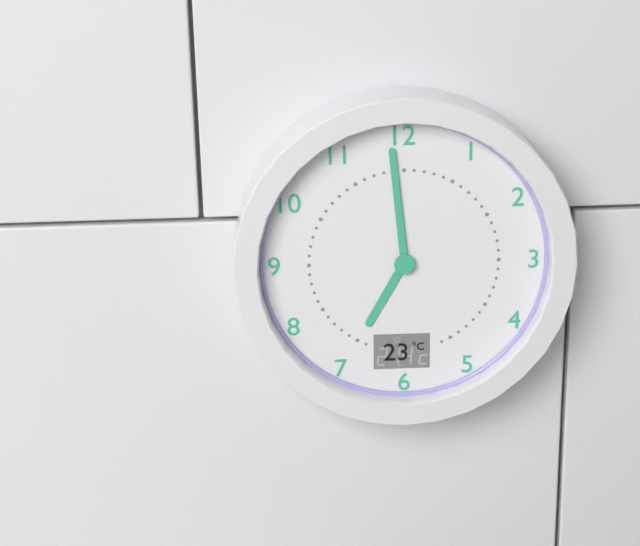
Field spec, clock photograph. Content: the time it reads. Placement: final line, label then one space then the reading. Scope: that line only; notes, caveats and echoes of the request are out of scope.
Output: 6:59
